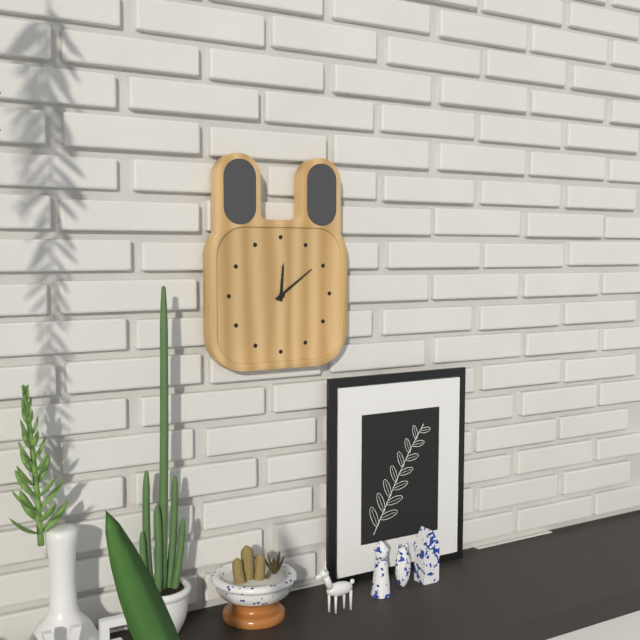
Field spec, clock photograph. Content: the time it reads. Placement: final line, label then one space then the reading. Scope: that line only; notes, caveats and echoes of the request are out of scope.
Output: 12:09
